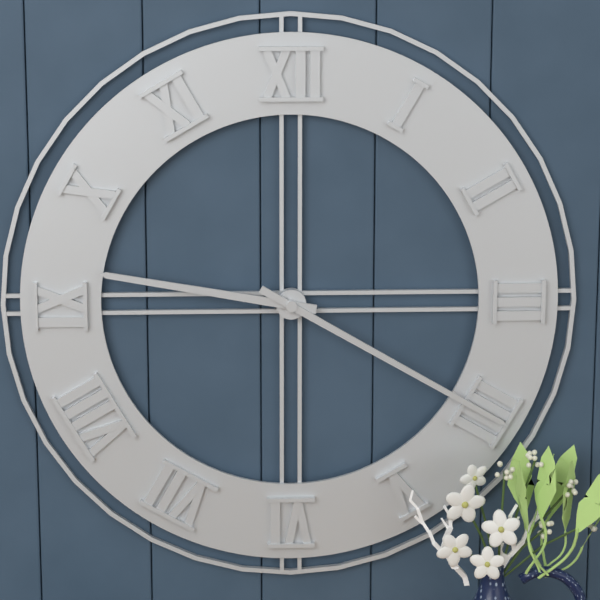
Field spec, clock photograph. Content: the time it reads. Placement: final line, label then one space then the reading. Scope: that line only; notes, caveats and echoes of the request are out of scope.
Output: 9:20
